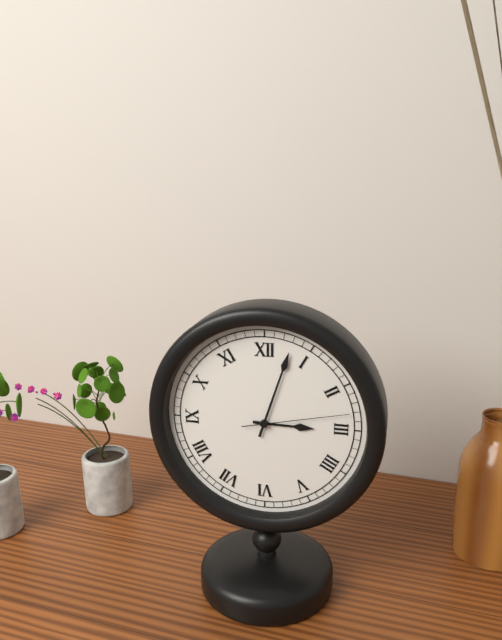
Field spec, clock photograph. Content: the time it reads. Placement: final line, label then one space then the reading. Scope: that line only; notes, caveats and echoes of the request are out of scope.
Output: 3:03:13
